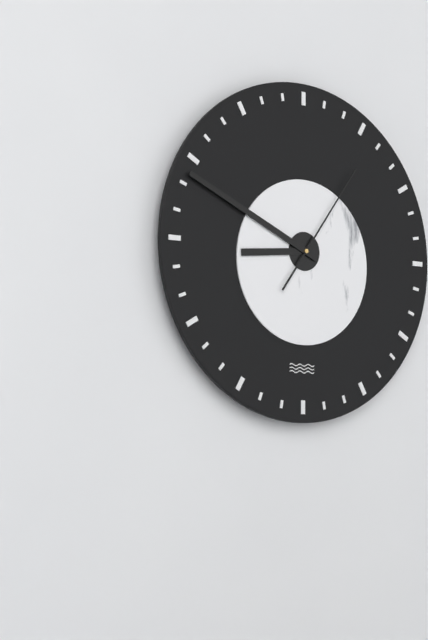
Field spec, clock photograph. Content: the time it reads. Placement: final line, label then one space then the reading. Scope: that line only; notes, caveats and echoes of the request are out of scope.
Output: 8:49:06
